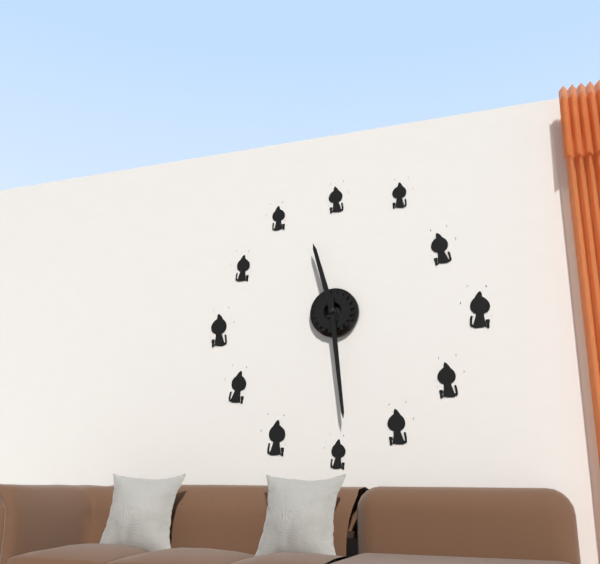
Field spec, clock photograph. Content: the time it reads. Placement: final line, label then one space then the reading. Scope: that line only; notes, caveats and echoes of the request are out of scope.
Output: 11:29
